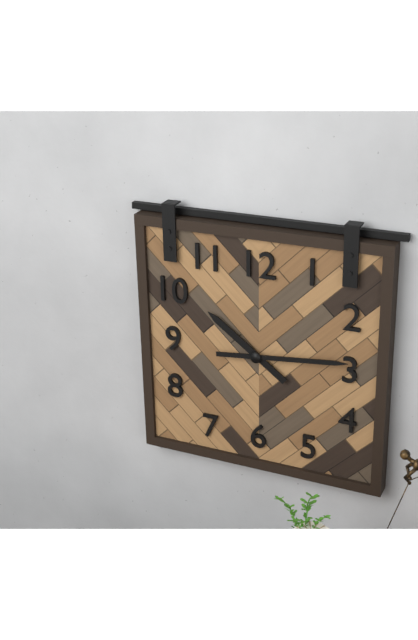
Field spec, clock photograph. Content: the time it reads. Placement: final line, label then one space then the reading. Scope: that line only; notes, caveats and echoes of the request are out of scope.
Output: 10:14
